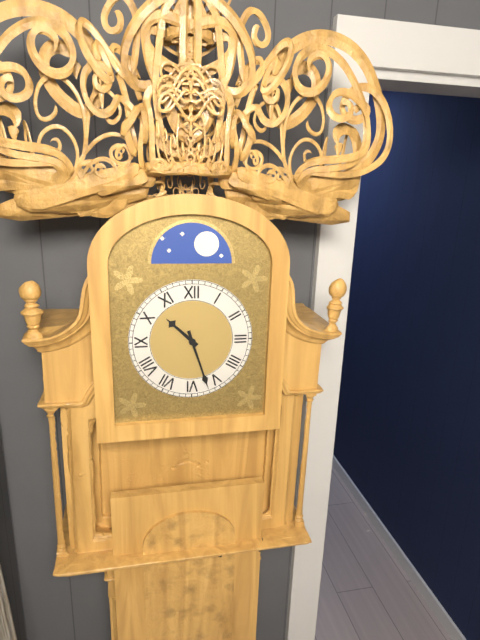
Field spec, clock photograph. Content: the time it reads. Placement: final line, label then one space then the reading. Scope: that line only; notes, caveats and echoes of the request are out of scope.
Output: 10:27
